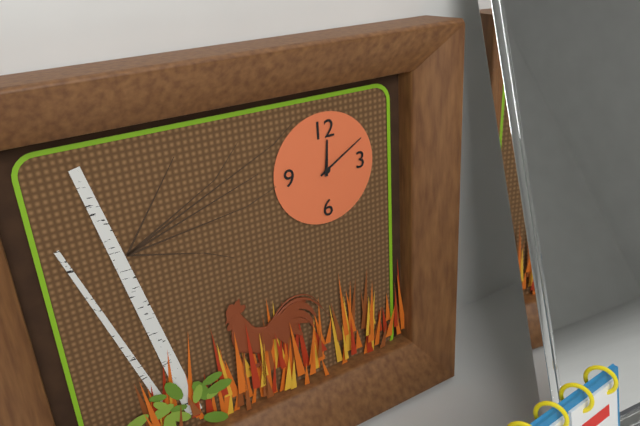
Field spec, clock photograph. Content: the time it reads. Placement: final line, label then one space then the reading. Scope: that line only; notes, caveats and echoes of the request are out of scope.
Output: 12:10
